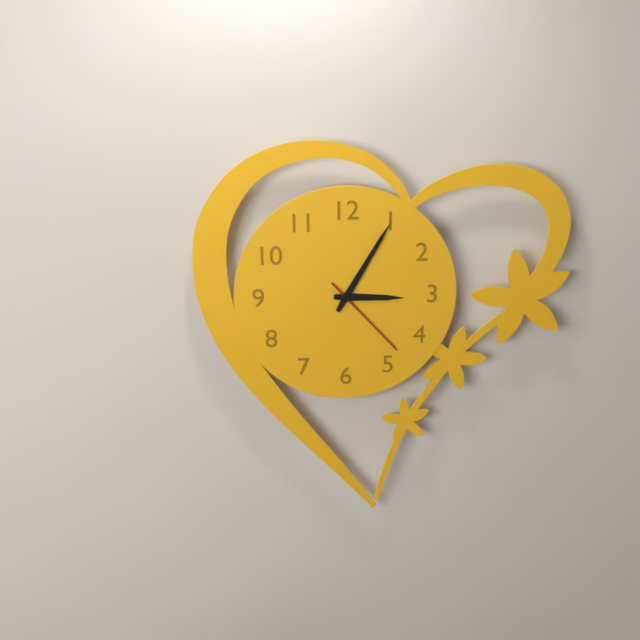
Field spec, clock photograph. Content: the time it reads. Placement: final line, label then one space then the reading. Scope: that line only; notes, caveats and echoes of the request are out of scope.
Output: 3:05:23
